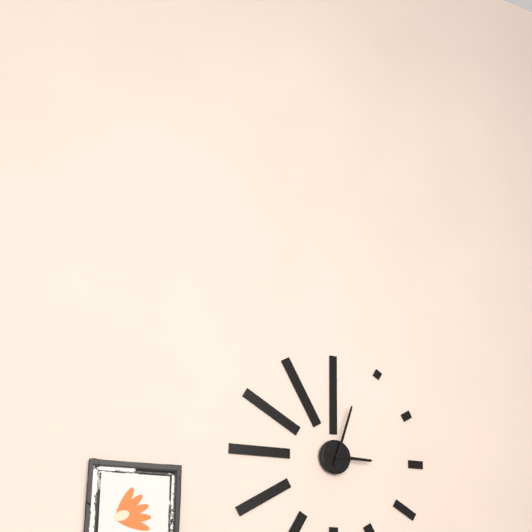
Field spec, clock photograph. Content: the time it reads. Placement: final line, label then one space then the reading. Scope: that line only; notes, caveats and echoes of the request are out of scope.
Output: 3:03
